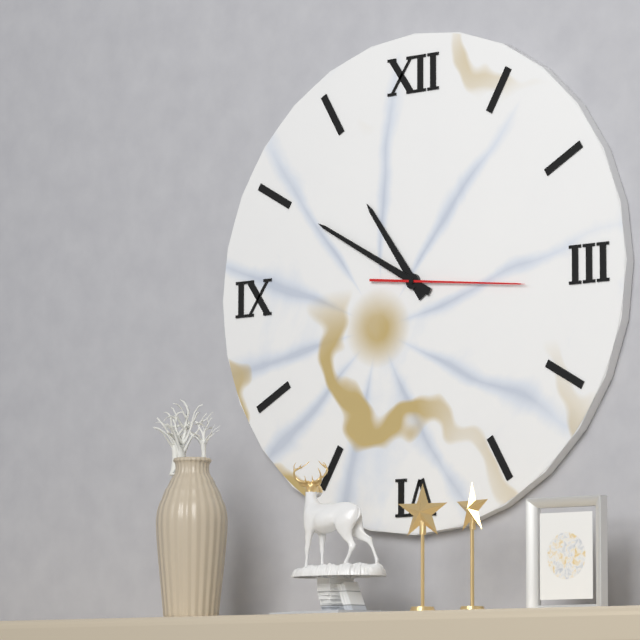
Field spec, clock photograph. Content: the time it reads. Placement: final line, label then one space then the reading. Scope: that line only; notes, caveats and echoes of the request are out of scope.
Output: 10:50:16
